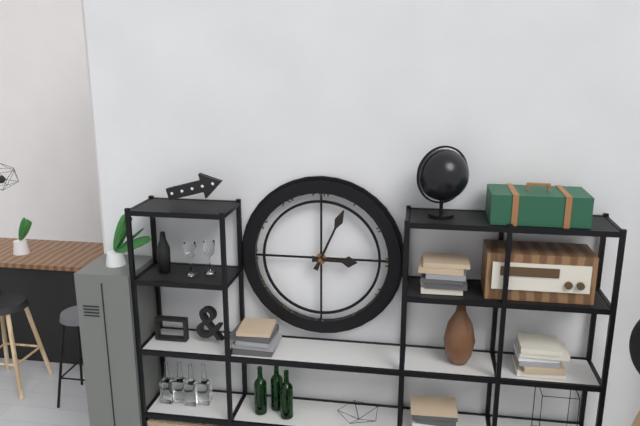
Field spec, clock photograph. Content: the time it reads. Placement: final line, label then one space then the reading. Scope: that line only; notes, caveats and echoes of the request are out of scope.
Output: 3:04
